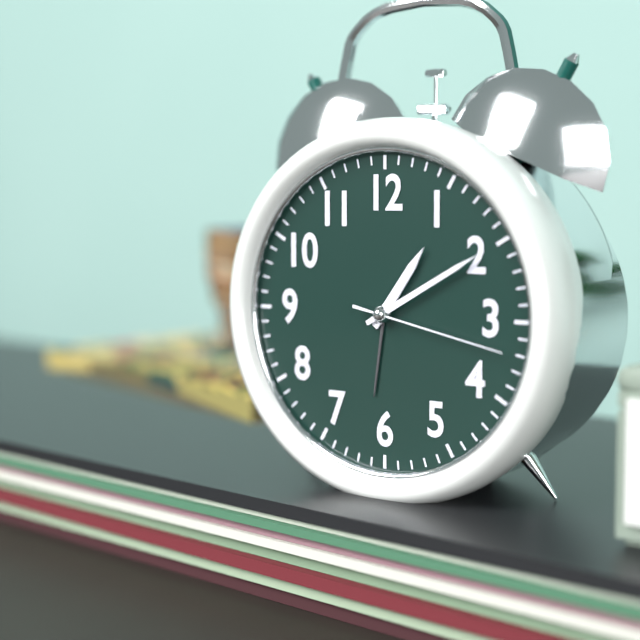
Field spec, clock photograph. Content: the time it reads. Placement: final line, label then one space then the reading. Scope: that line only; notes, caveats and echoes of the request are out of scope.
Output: 1:10:17
